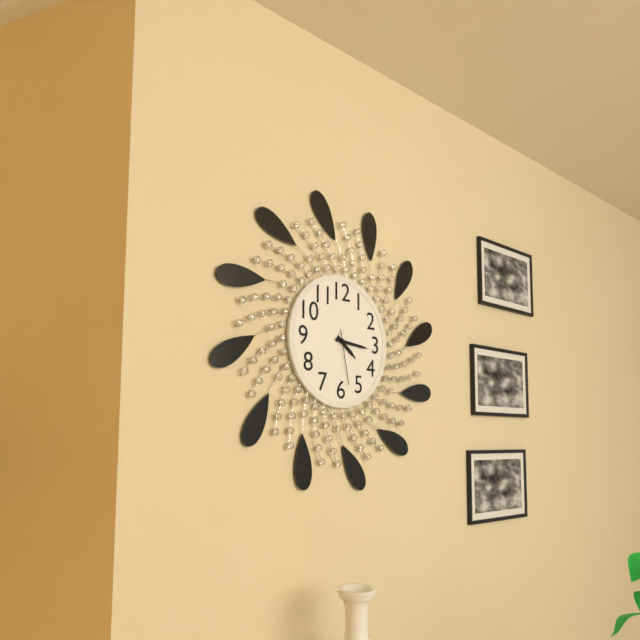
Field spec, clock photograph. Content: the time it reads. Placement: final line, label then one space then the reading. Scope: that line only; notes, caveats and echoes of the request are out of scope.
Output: 4:16:28
